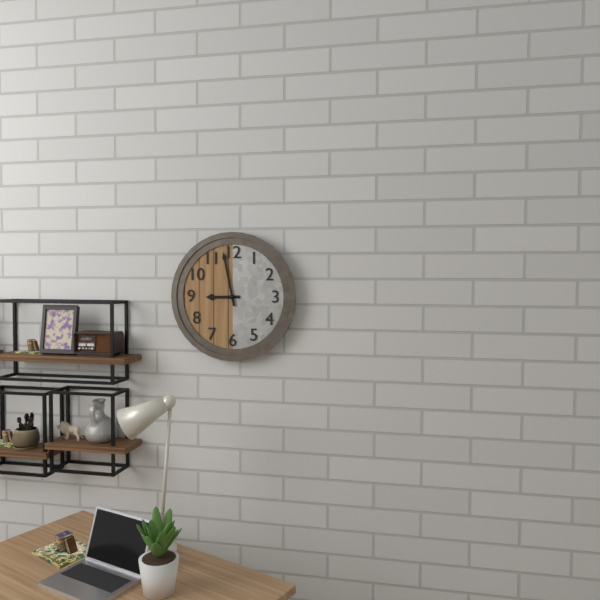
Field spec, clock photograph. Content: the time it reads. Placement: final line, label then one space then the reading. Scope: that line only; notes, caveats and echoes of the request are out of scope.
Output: 8:58
